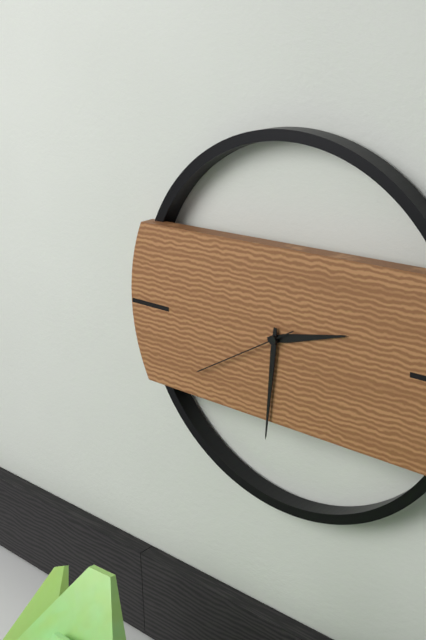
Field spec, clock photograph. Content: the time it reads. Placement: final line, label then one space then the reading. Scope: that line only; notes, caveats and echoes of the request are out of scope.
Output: 2:31:40
